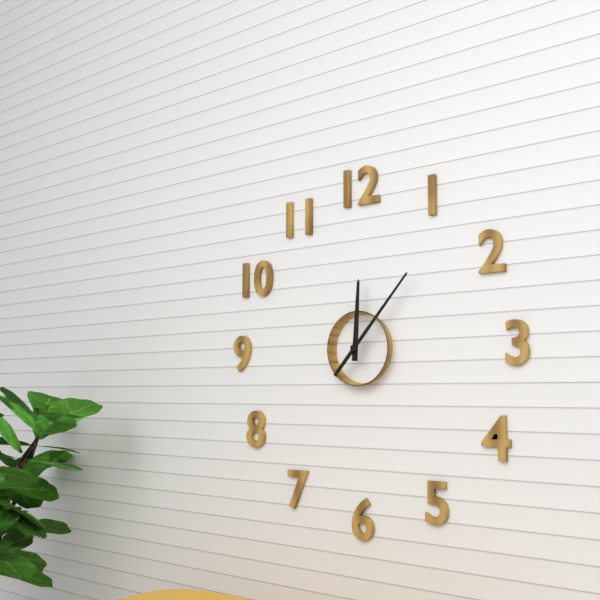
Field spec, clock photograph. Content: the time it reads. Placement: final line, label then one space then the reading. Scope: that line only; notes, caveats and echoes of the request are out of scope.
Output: 12:07
